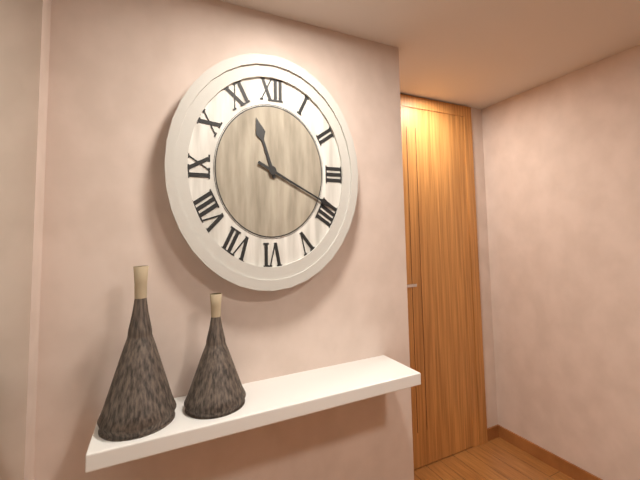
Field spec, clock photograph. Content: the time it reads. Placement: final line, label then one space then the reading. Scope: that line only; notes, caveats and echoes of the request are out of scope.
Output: 11:19
